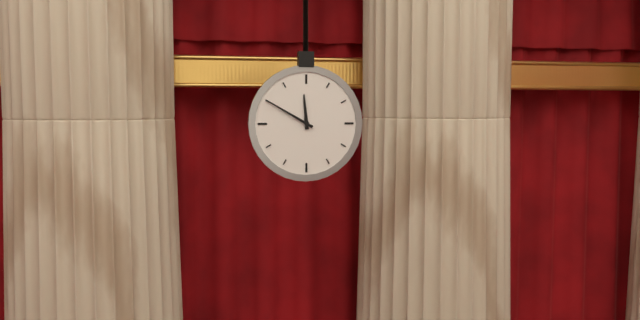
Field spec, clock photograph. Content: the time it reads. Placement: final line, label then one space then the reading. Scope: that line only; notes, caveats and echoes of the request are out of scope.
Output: 11:50
